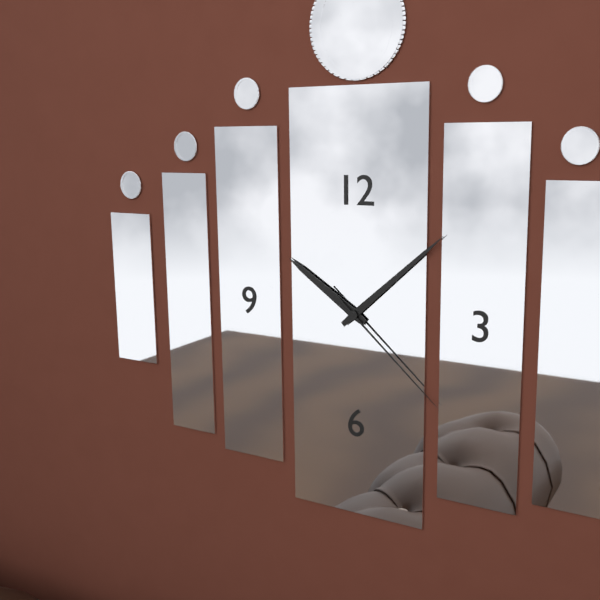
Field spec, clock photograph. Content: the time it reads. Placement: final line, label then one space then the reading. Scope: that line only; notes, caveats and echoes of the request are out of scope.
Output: 10:08:22
